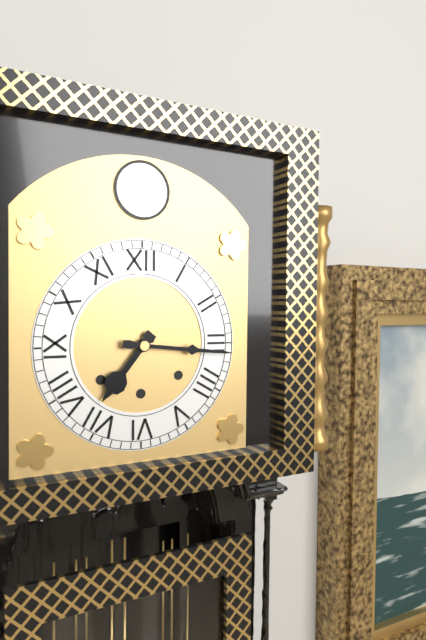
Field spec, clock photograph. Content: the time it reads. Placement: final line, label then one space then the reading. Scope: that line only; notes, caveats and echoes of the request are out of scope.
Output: 7:16
